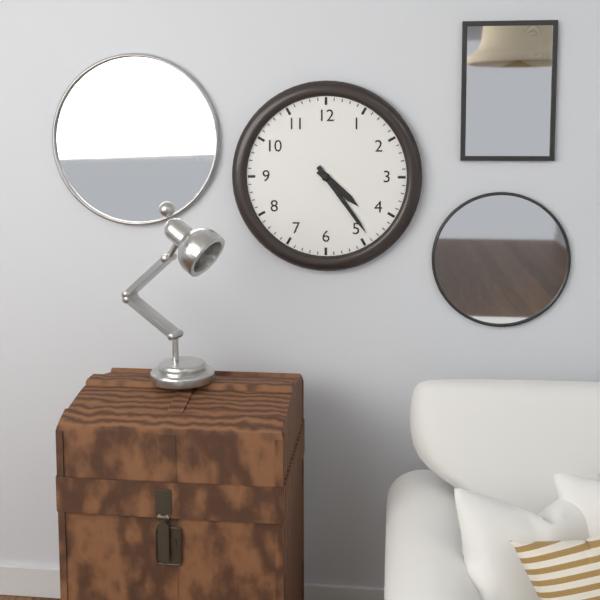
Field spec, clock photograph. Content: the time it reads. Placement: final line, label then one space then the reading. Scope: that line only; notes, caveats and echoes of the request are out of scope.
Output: 4:24
